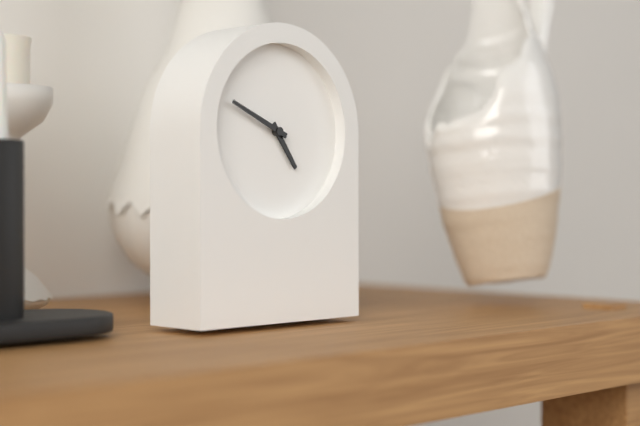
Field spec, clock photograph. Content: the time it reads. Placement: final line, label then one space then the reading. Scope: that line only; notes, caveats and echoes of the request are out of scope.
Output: 4:49
